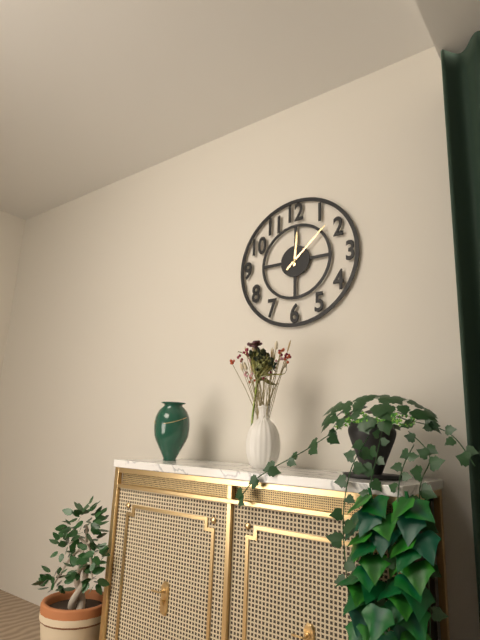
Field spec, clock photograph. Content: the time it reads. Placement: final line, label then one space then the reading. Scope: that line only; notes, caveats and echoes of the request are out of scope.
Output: 12:08
